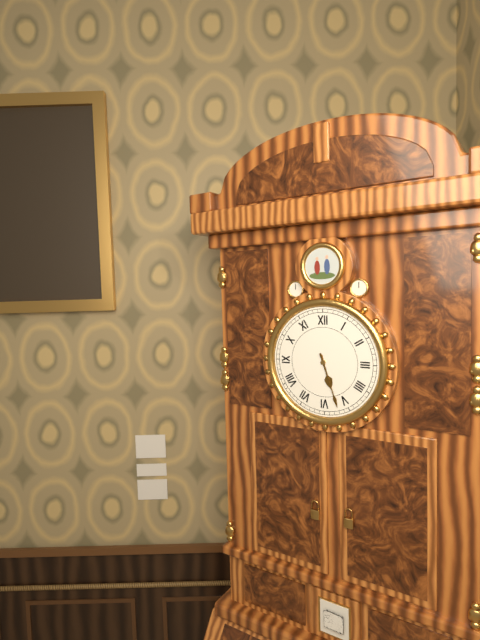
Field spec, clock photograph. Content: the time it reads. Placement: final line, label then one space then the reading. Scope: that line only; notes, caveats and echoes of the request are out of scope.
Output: 5:27
